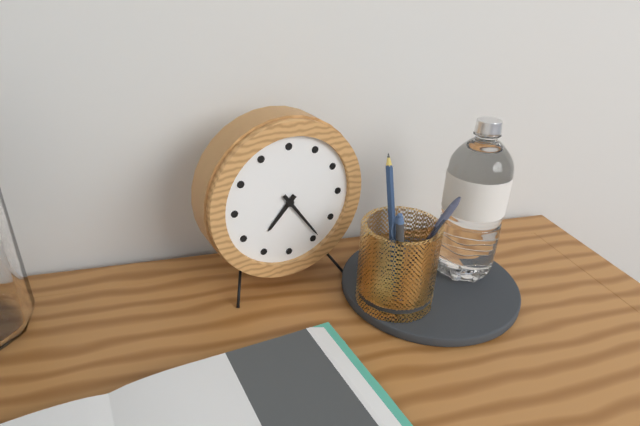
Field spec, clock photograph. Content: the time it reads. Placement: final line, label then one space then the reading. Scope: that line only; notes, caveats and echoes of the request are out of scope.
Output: 7:24
